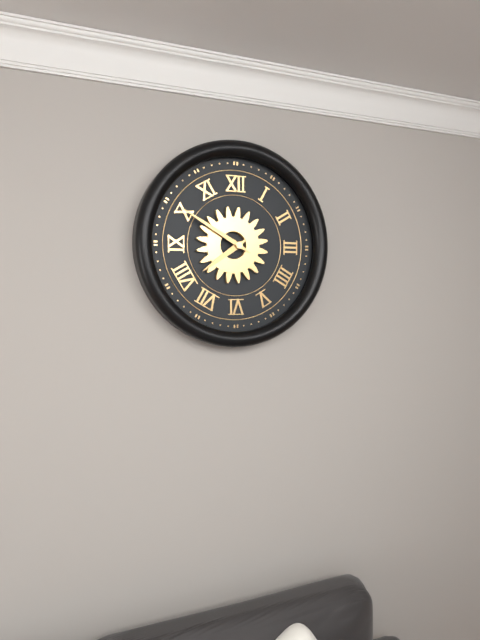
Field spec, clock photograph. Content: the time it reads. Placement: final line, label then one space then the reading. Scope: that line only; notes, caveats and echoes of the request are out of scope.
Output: 7:50
